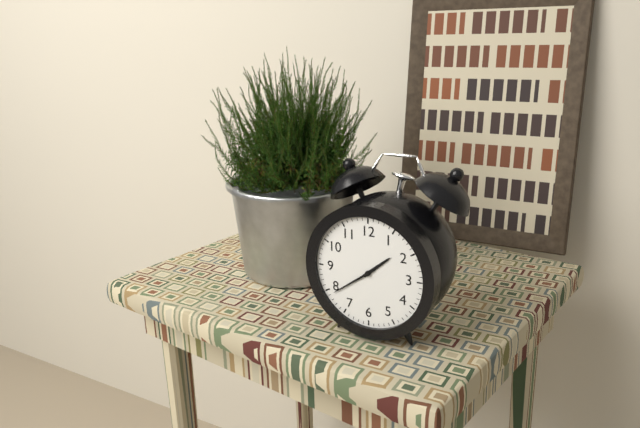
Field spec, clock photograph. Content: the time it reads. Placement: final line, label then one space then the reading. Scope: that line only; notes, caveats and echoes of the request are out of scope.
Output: 1:39
